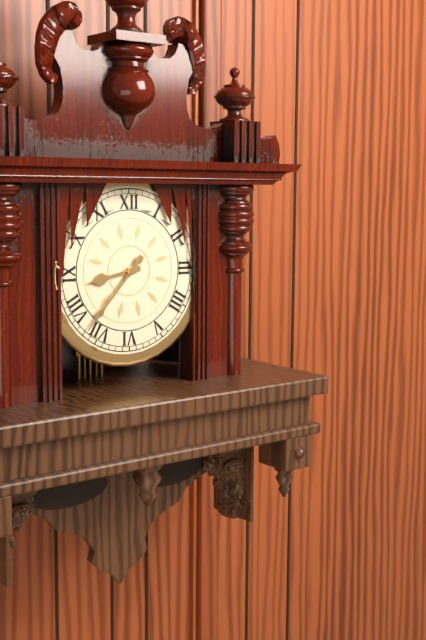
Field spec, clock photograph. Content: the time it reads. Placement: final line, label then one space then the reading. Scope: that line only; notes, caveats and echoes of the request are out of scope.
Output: 8:37
